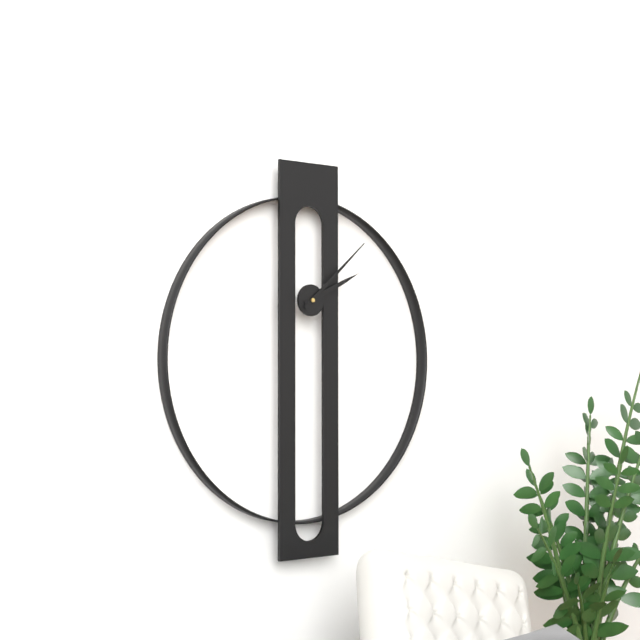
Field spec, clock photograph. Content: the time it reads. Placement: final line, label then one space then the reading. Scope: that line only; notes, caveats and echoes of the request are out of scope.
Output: 2:08
